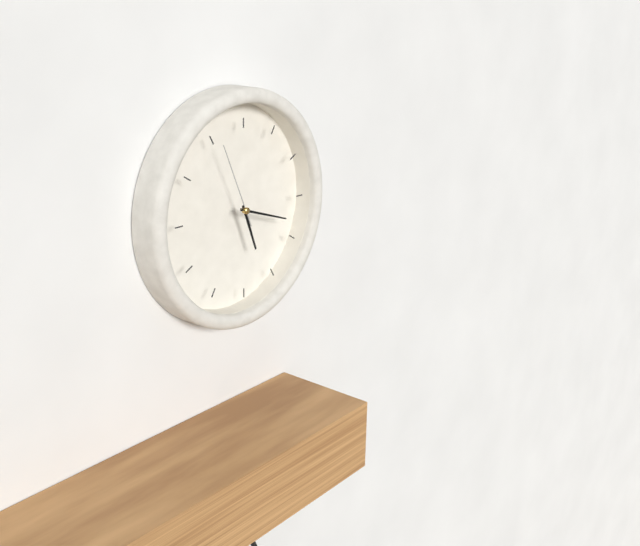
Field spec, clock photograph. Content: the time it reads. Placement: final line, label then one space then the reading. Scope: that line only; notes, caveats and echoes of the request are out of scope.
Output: 5:18:56
